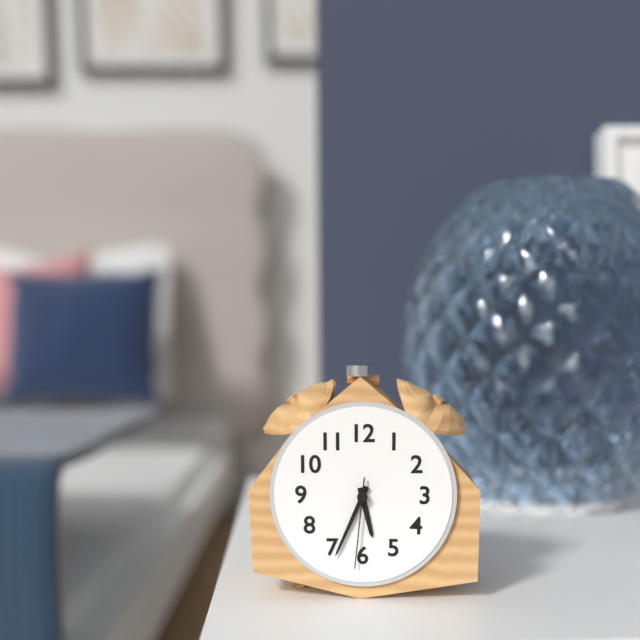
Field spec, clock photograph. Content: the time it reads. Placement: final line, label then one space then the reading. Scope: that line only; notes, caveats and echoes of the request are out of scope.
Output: 5:34:31
